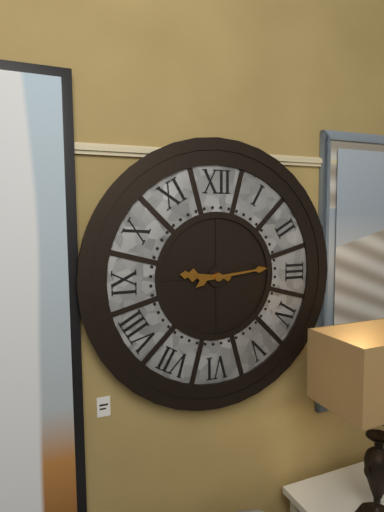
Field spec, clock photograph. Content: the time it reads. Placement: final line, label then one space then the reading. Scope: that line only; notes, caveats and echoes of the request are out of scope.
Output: 9:14
